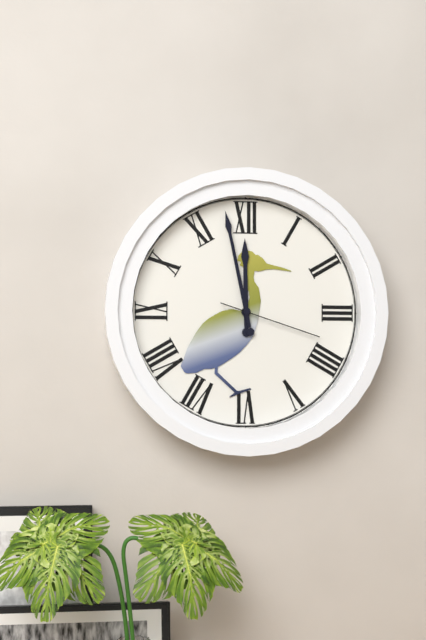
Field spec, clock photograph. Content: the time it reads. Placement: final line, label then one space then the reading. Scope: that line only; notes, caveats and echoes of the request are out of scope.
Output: 11:58:18
